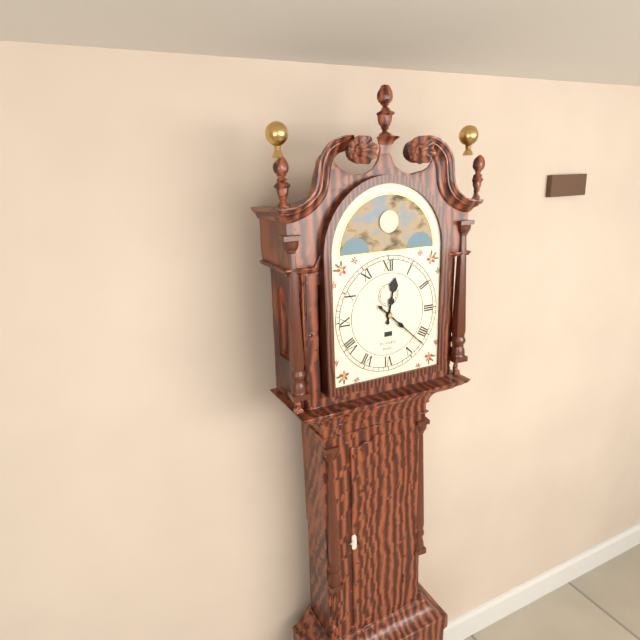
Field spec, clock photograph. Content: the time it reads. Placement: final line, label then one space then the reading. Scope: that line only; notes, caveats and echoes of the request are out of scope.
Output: 12:22
